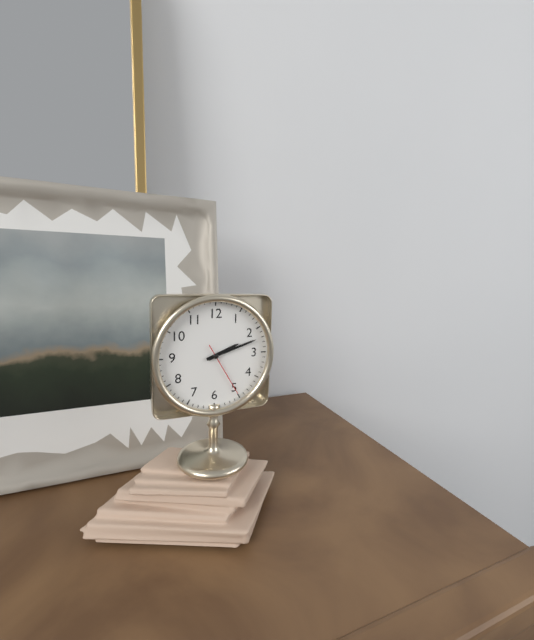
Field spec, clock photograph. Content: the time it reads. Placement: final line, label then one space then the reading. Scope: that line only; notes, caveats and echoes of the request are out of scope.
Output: 2:12:25
